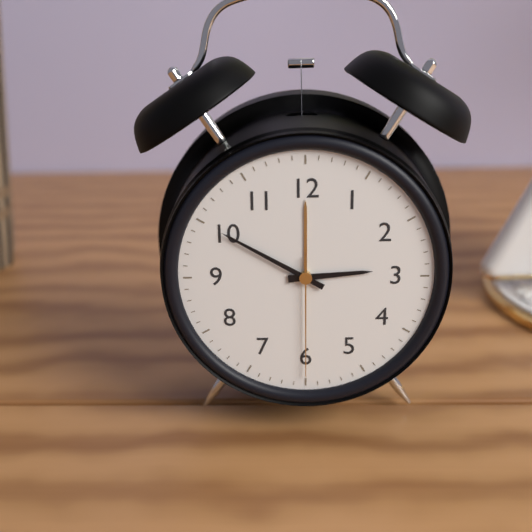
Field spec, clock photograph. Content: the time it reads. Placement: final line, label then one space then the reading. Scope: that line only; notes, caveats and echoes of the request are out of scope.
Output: 2:50:30
